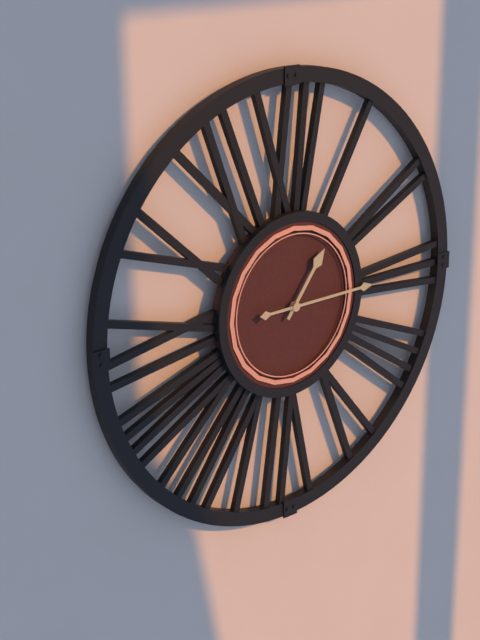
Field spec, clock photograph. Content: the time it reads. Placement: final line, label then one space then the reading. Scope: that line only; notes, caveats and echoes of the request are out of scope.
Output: 1:15
